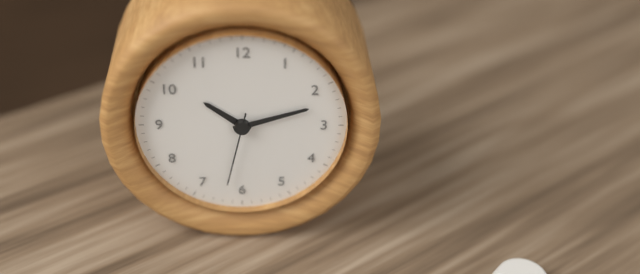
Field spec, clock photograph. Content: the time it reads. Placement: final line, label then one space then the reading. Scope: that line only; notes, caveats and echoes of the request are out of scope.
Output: 10:12:32
